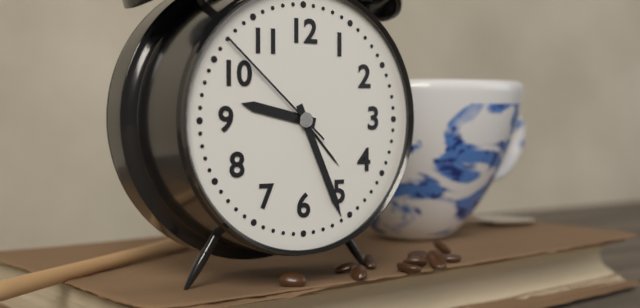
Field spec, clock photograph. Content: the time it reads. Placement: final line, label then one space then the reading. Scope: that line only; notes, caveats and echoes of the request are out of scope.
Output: 9:26:52
